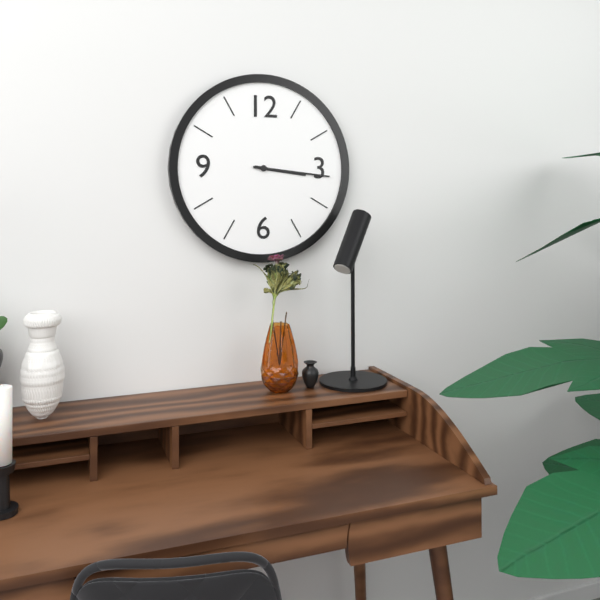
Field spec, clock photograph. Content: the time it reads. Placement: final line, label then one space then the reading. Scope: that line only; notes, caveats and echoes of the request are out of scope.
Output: 3:16
